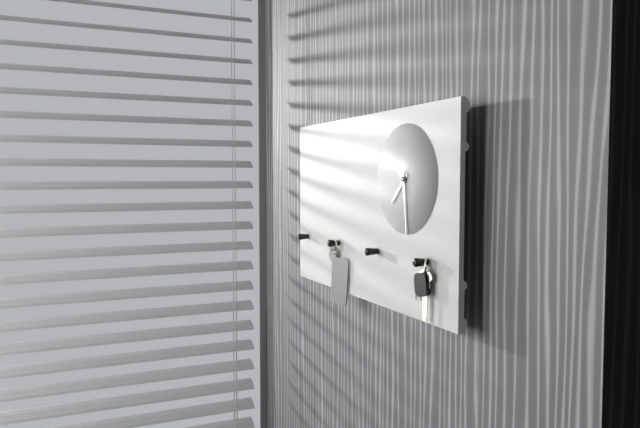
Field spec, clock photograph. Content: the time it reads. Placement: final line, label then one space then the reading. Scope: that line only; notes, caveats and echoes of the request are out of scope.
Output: 7:29
